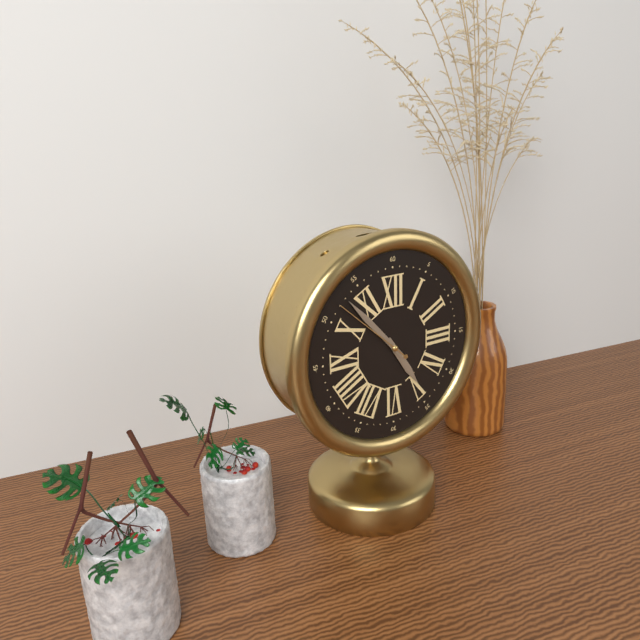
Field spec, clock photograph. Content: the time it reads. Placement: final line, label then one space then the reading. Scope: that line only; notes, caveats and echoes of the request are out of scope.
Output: 4:53:52
